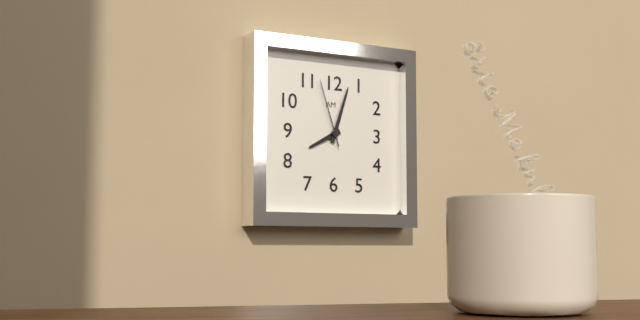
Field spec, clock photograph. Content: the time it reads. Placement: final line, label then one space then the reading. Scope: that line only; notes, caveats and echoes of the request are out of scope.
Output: 8:03:57
